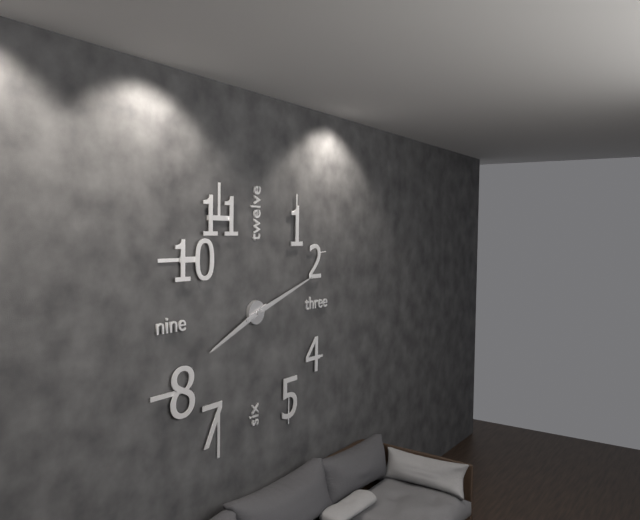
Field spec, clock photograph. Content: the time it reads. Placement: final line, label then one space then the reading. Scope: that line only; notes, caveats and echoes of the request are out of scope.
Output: 8:12
